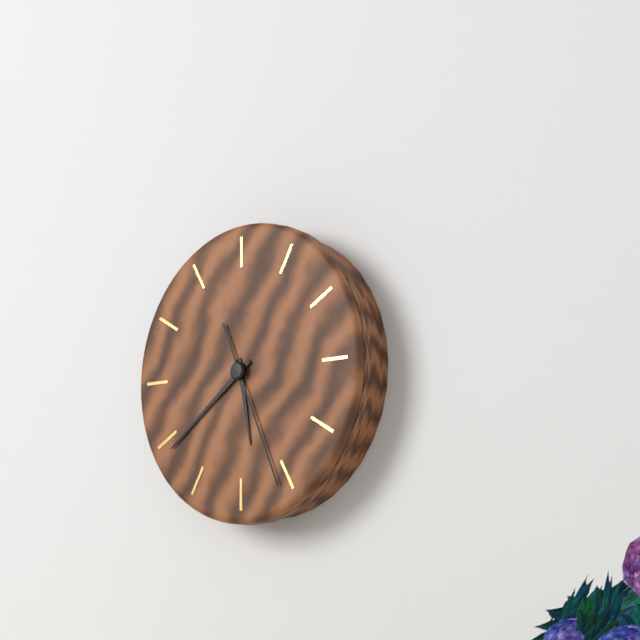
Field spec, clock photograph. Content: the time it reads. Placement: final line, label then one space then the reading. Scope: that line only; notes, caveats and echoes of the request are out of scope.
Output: 5:39:26
